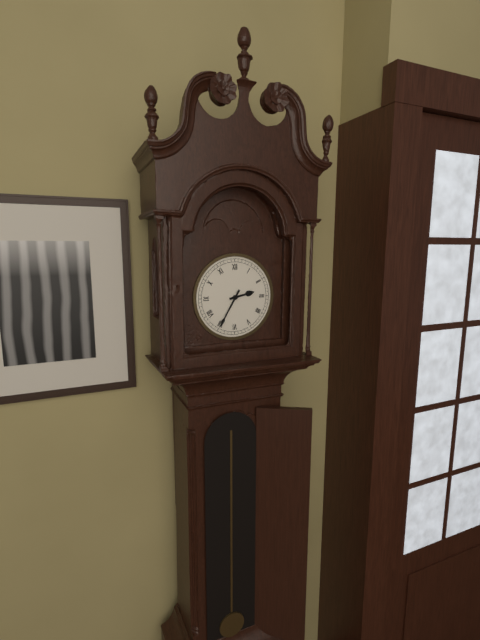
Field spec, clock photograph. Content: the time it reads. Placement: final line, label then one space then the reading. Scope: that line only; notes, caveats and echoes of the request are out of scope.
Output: 2:35
